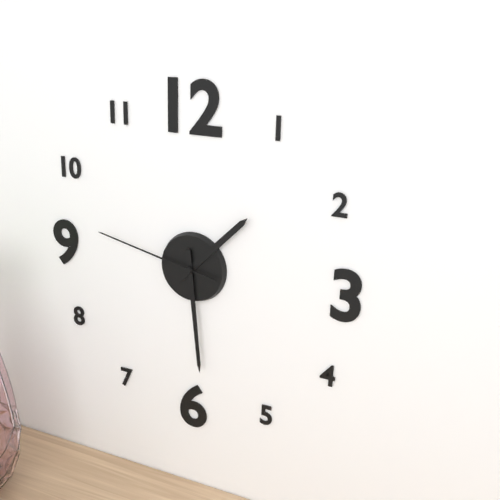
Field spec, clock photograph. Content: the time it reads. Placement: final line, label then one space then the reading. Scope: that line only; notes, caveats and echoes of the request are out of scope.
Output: 1:29:47
